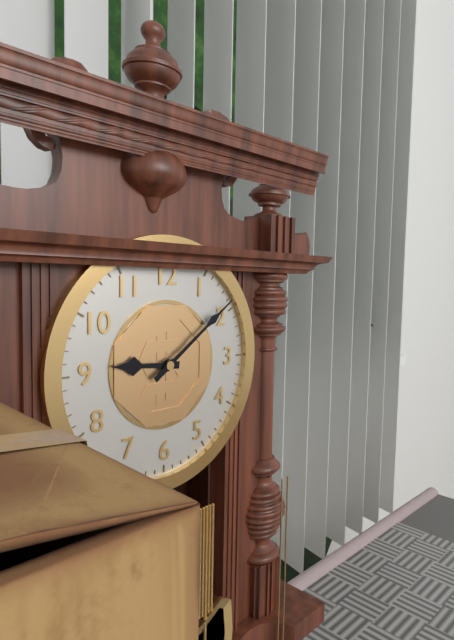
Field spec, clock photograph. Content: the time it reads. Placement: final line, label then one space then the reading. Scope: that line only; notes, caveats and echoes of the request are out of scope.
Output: 9:09
